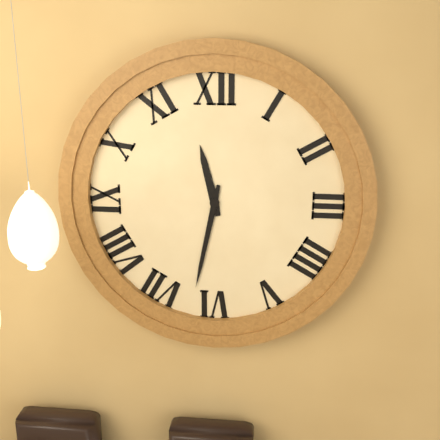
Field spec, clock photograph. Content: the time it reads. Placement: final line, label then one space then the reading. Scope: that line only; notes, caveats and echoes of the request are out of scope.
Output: 11:32
